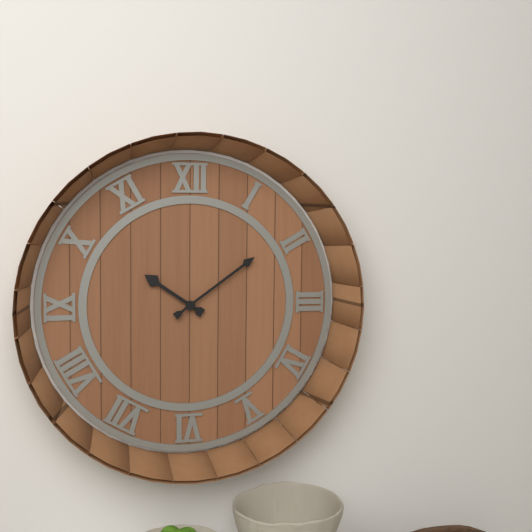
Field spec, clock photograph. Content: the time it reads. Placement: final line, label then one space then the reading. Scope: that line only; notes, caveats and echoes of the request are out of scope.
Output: 10:09
